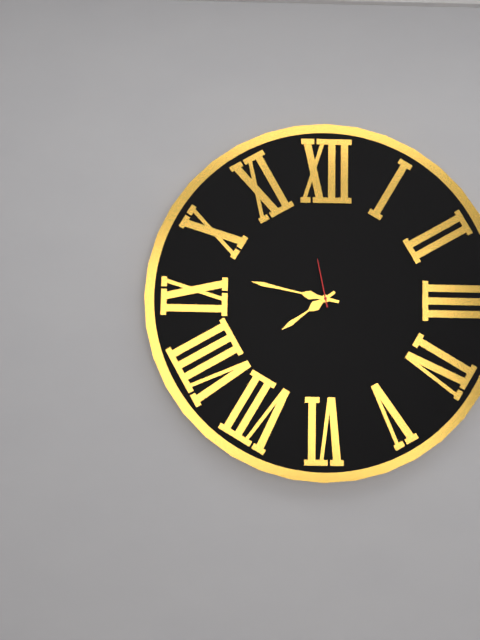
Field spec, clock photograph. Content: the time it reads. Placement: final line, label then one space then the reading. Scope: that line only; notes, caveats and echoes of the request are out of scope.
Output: 7:47:58
